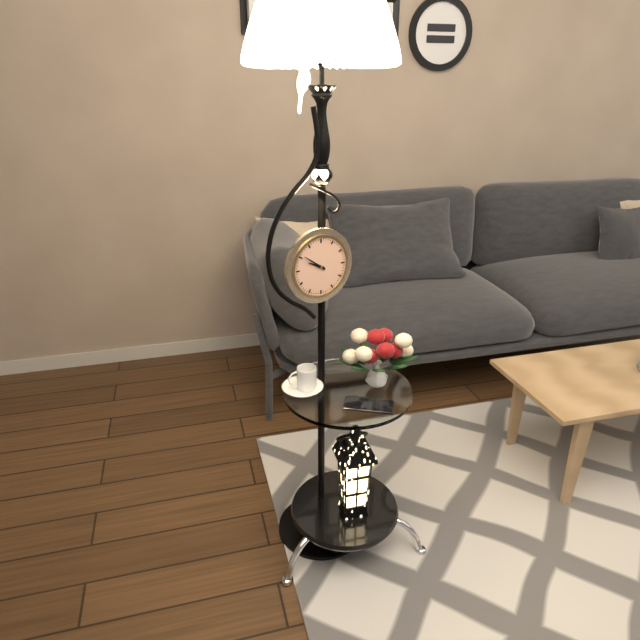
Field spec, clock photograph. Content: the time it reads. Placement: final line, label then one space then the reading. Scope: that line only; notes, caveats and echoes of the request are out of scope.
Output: 9:51
